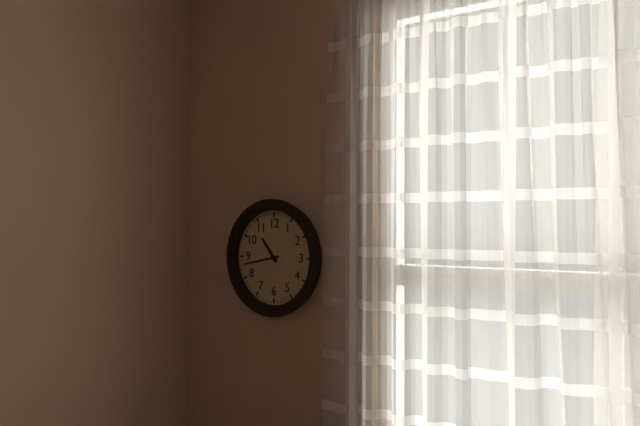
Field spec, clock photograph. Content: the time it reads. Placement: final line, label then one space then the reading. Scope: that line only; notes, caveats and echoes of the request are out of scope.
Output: 10:43
